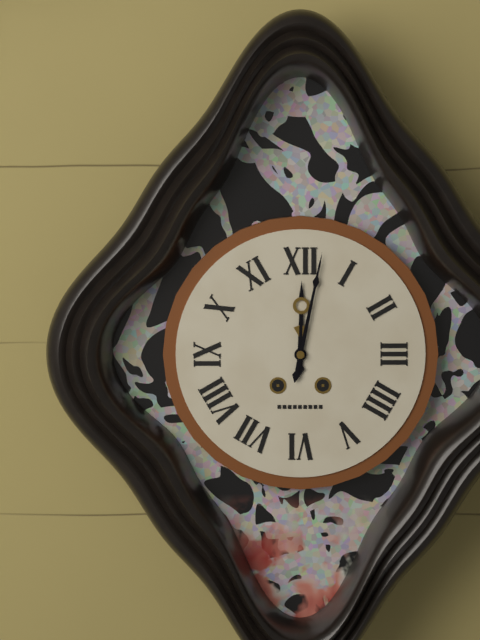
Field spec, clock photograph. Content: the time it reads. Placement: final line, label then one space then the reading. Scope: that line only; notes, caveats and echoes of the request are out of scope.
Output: 12:02
